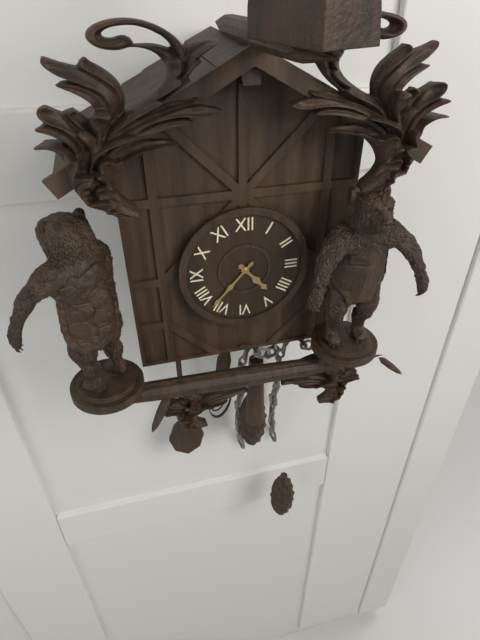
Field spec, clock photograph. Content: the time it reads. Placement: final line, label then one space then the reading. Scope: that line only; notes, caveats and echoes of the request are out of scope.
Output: 4:37
